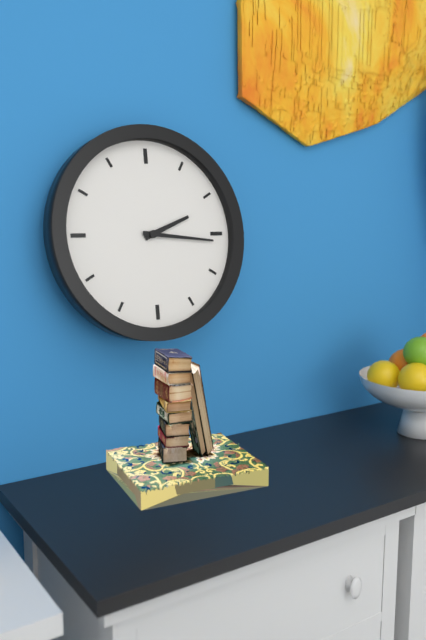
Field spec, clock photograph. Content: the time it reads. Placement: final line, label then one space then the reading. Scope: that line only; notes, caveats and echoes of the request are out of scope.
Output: 2:16
